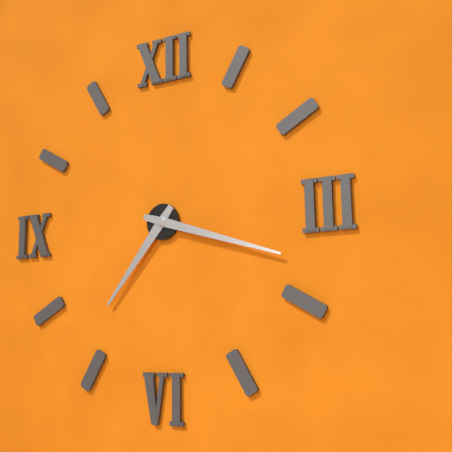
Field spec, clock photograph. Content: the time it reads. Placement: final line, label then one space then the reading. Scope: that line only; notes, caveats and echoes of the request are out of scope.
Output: 7:18
